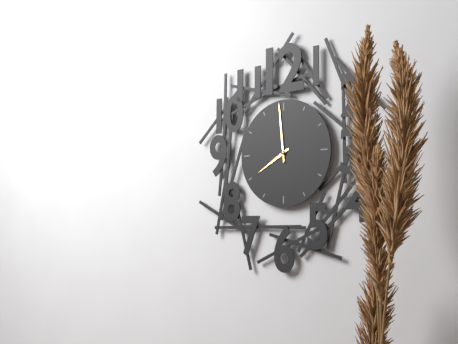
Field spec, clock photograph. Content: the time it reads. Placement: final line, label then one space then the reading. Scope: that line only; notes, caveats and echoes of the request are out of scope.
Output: 7:59
